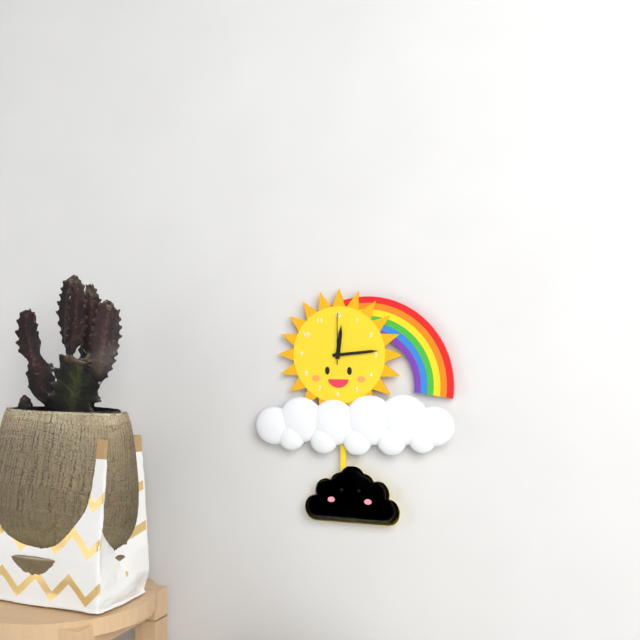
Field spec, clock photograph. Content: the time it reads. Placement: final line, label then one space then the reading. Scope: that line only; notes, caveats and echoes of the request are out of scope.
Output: 12:14:00
